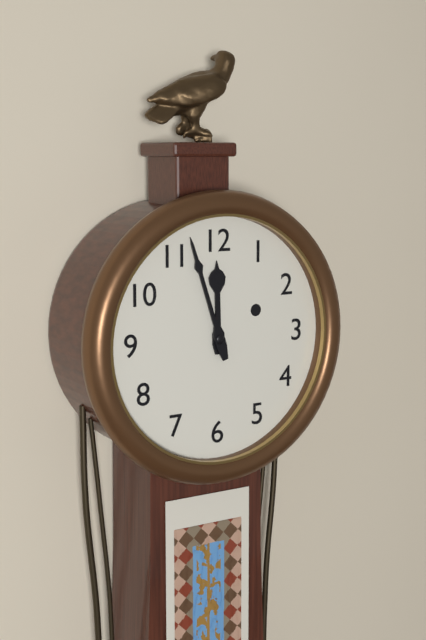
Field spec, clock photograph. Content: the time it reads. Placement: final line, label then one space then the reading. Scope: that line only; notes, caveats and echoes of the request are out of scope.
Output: 11:57
